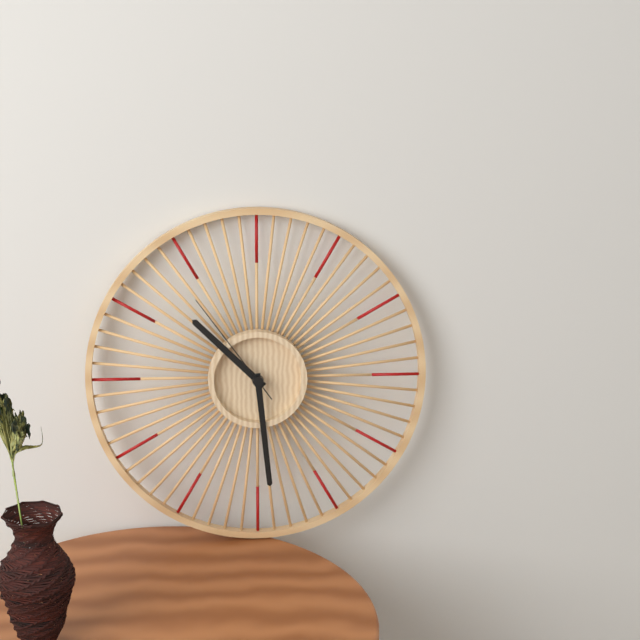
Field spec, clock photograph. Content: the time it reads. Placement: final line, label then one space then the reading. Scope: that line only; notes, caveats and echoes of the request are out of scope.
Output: 10:29:54
